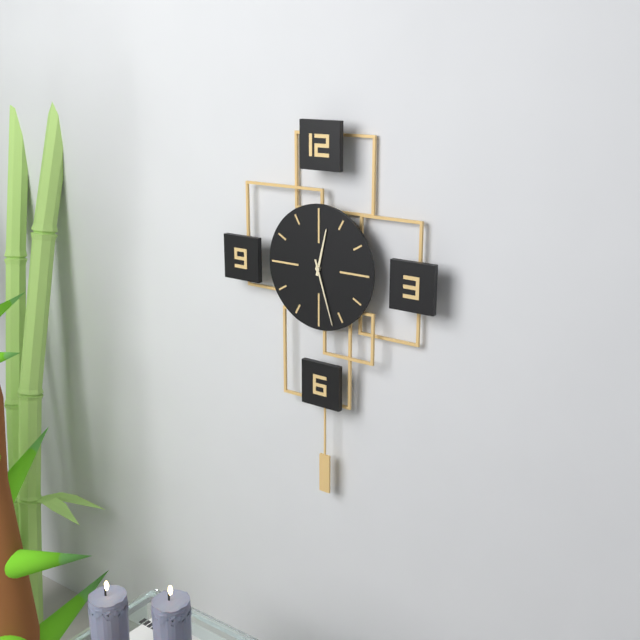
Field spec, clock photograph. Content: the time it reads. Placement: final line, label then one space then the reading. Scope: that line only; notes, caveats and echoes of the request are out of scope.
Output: 12:27
